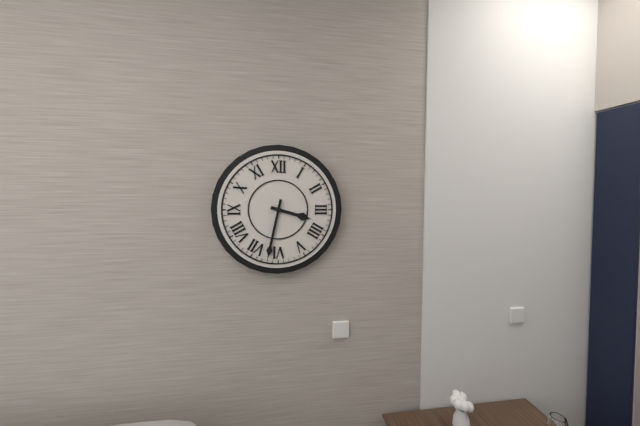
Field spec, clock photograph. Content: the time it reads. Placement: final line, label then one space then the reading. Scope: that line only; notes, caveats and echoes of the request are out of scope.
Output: 3:32
